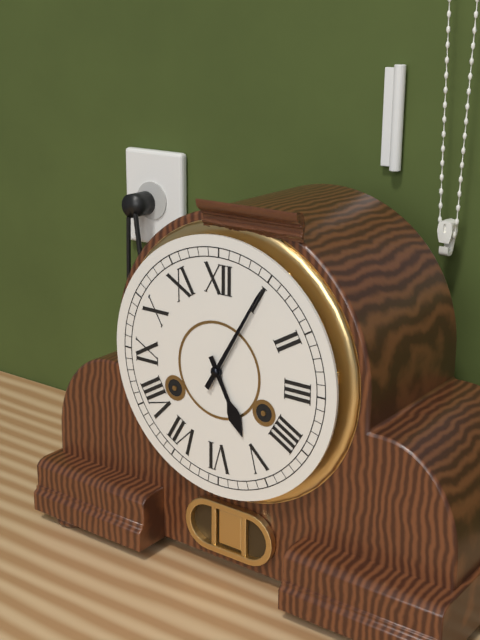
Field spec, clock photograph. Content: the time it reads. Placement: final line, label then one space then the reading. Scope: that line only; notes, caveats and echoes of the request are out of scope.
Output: 5:05
